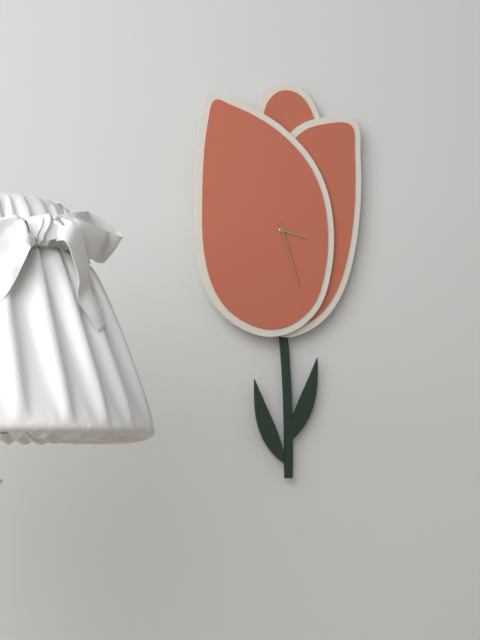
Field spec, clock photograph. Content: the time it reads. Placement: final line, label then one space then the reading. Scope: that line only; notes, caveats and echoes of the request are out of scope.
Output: 3:27
